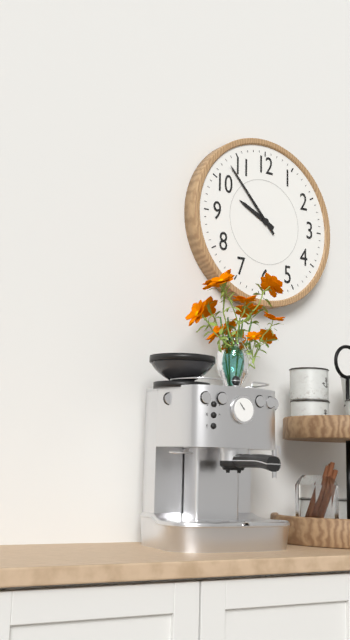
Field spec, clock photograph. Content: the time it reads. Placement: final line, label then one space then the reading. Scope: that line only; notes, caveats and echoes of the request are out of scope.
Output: 9:53
